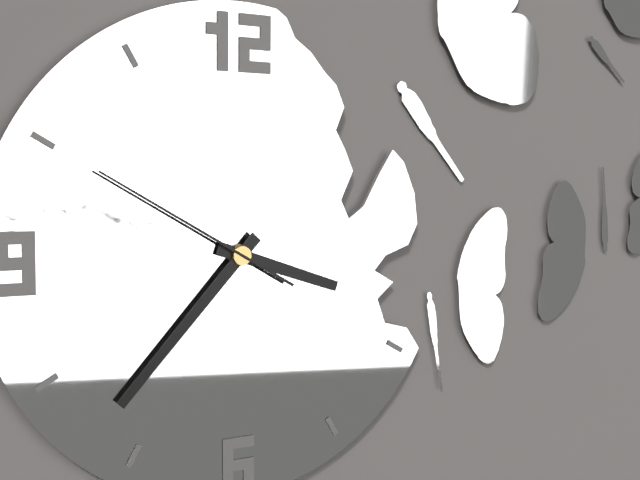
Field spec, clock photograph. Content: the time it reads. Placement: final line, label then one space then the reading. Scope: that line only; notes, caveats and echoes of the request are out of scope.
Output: 3:37:50
